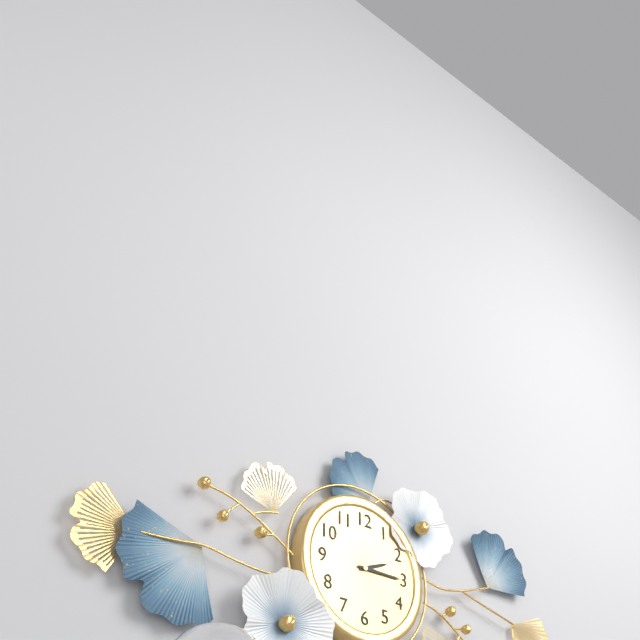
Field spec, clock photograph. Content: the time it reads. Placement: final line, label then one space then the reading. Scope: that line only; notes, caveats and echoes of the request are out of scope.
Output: 2:15
